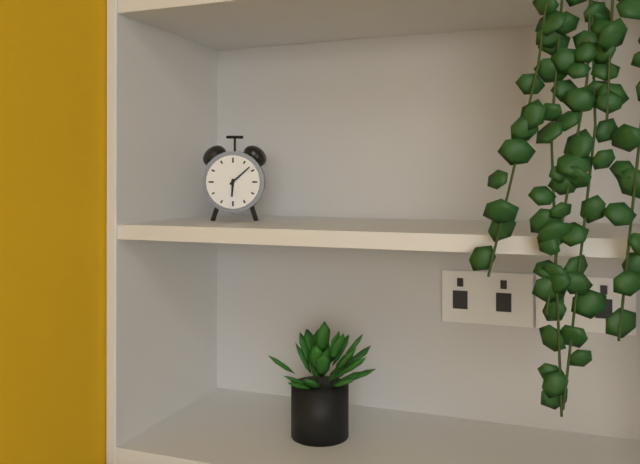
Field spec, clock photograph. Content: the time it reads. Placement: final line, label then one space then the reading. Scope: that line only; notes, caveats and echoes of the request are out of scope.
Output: 6:08
